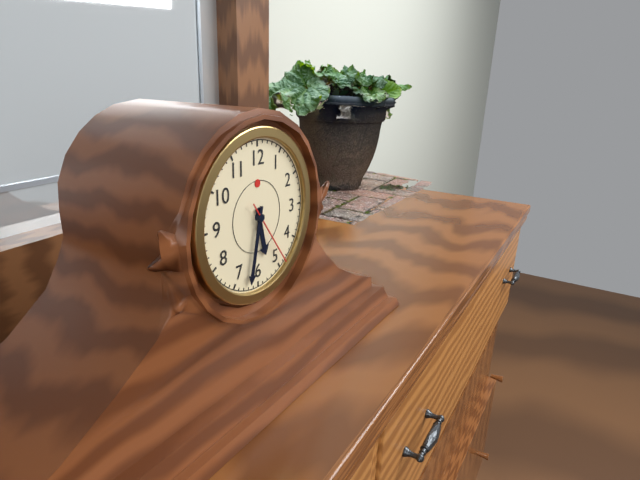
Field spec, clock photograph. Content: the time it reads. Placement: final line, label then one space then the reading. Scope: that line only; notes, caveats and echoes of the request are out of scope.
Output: 5:32:24
